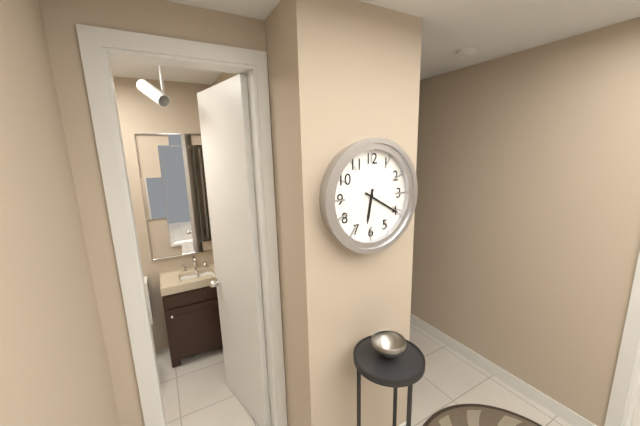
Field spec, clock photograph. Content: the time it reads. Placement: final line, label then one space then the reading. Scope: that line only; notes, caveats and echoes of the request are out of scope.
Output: 6:20
